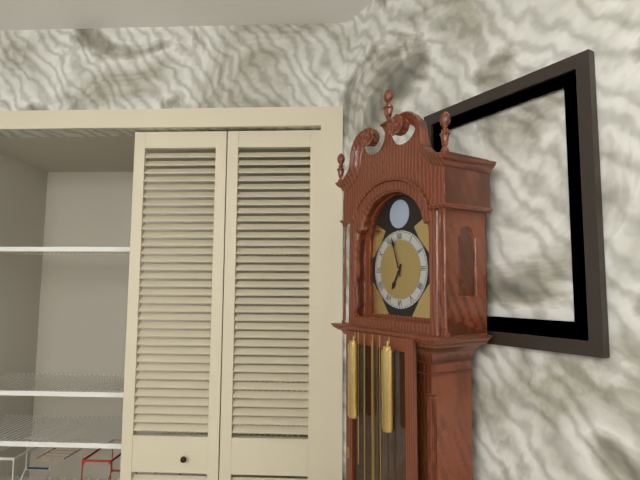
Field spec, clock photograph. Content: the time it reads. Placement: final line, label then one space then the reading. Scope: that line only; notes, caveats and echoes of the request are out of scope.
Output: 6:57
